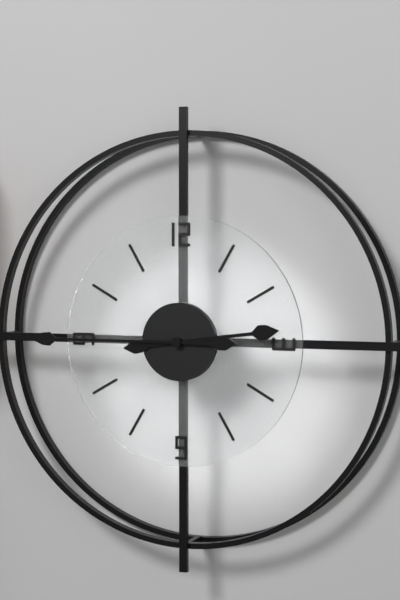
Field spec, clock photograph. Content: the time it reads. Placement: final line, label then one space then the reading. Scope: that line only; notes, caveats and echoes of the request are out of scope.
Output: 2:45
